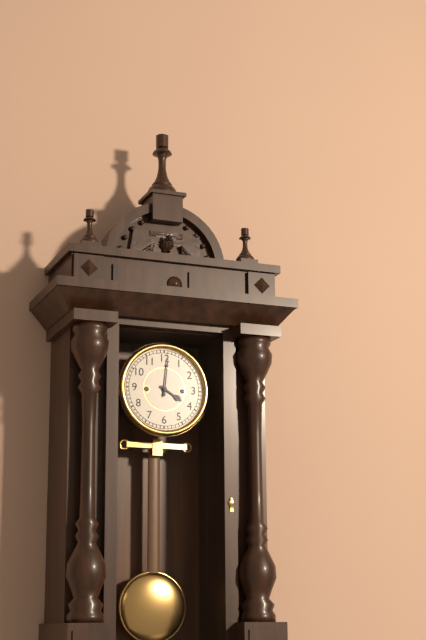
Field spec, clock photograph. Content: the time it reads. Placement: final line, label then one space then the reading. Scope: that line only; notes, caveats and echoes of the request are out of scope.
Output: 4:01
